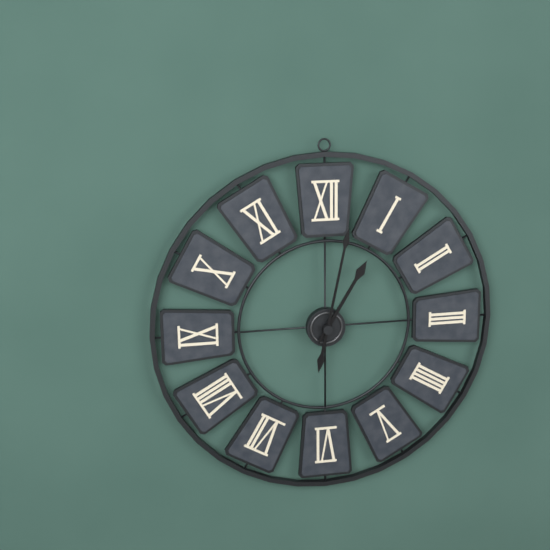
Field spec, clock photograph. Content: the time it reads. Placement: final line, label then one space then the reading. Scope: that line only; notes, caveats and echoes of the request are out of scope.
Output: 1:02
